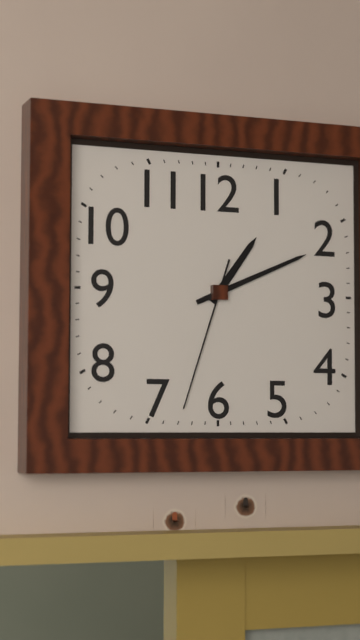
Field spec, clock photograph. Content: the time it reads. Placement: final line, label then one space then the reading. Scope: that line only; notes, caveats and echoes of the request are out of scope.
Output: 1:11:33
